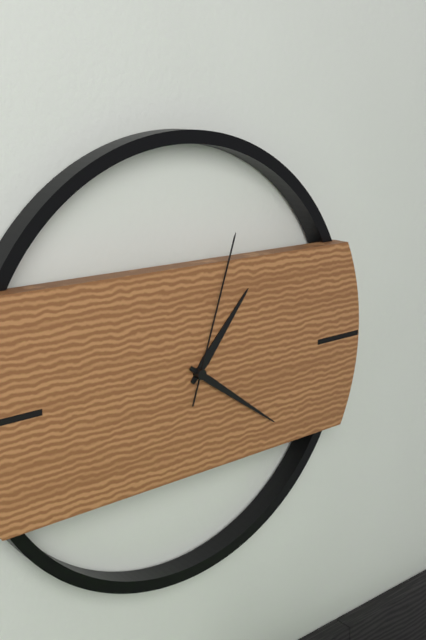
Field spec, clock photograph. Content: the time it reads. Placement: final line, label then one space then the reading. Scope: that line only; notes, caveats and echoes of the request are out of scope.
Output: 1:21:03
